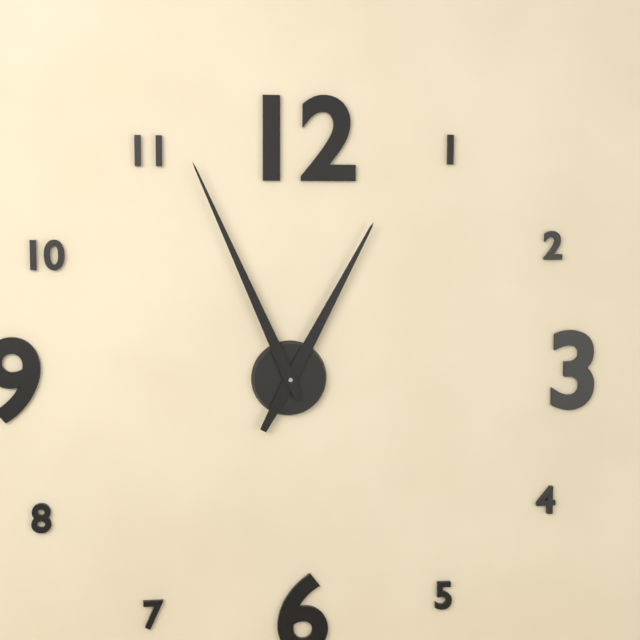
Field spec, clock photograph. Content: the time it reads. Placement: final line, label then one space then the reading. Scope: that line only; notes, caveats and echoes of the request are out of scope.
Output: 12:56
